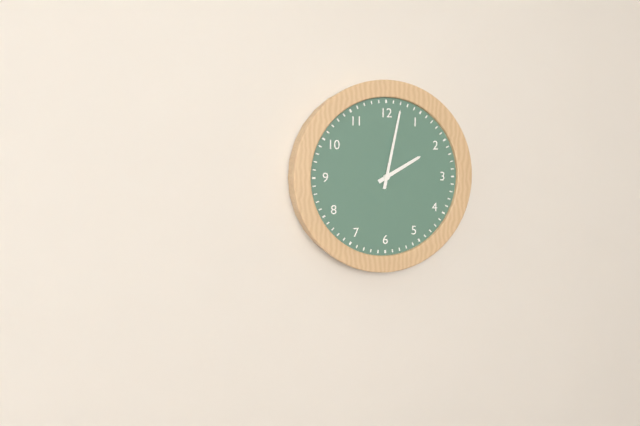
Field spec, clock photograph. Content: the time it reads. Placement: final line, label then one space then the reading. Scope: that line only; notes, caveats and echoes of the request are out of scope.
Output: 2:02
